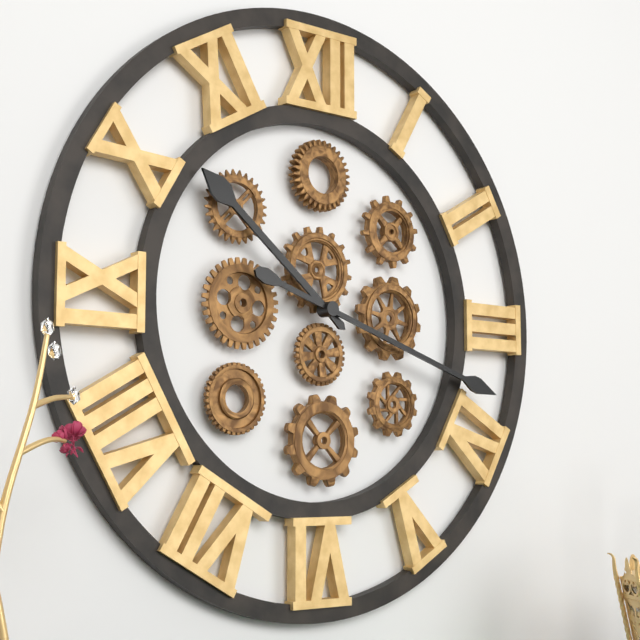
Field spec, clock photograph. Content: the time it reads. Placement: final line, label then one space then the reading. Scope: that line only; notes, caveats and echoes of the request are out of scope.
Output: 10:18
